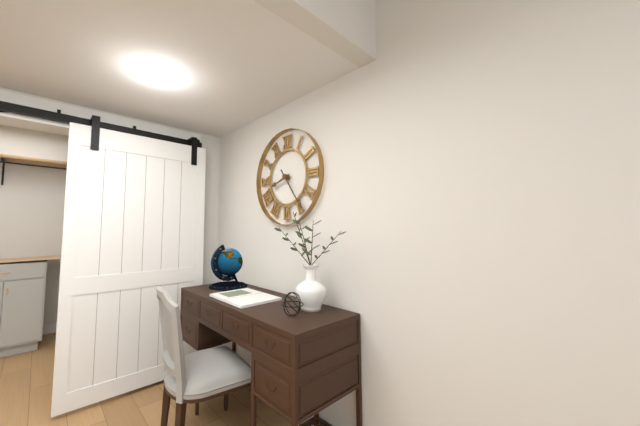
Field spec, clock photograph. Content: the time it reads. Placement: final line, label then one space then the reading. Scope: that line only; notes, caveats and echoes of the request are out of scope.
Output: 8:24
